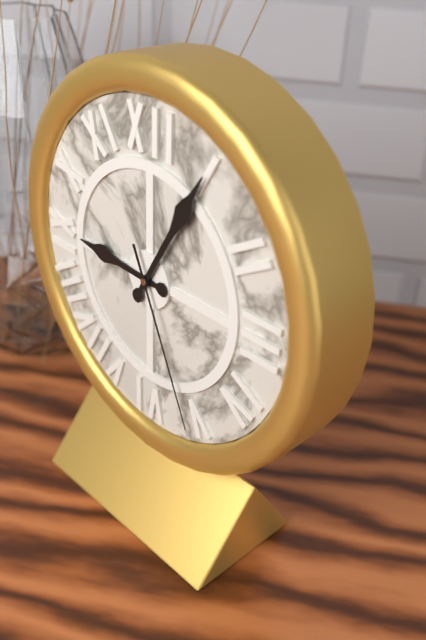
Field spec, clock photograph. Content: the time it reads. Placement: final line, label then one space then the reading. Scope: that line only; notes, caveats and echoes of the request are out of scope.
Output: 9:05:26
